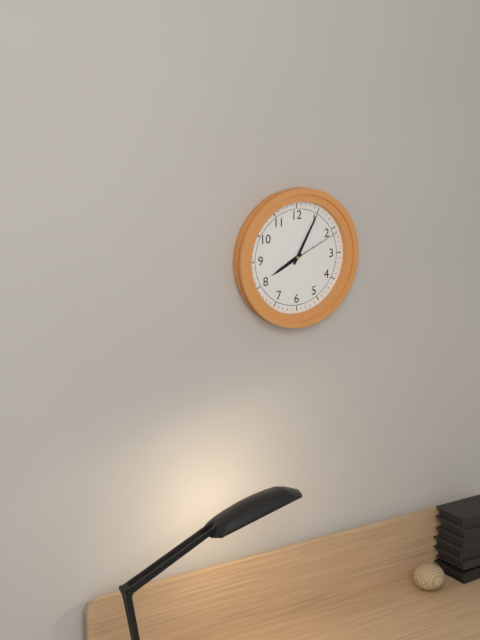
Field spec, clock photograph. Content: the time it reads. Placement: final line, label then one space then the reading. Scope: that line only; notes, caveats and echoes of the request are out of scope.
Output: 8:05:11
